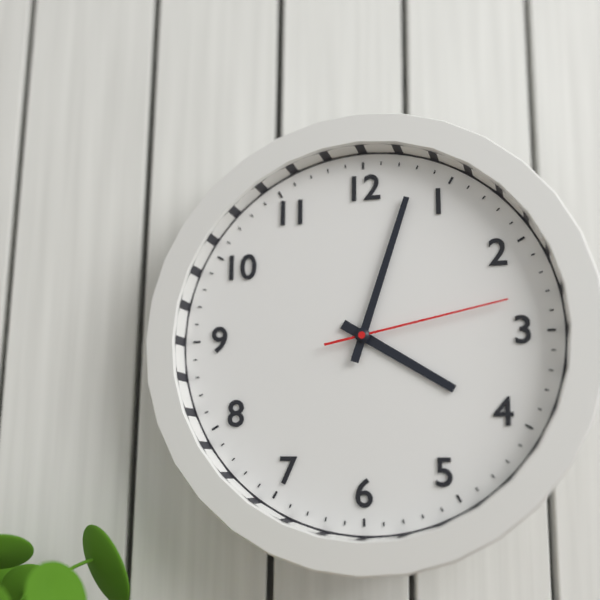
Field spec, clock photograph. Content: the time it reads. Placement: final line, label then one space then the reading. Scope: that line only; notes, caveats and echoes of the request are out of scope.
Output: 4:03:13
